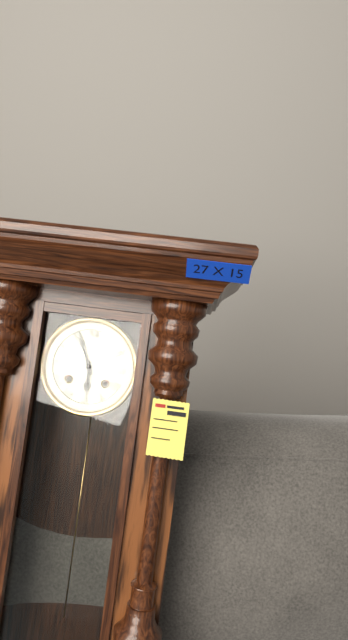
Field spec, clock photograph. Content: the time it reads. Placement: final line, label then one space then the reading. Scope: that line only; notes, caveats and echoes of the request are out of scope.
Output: 5:56
